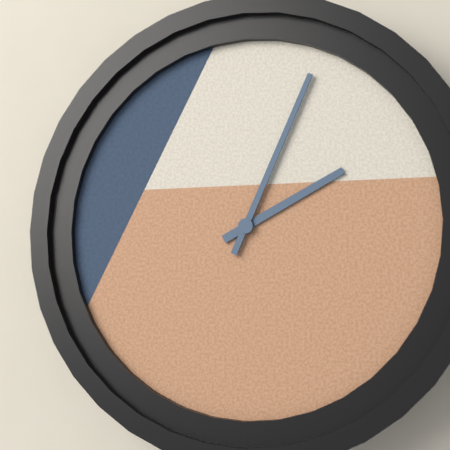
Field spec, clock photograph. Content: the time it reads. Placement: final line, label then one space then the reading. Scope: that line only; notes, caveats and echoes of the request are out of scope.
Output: 2:04
